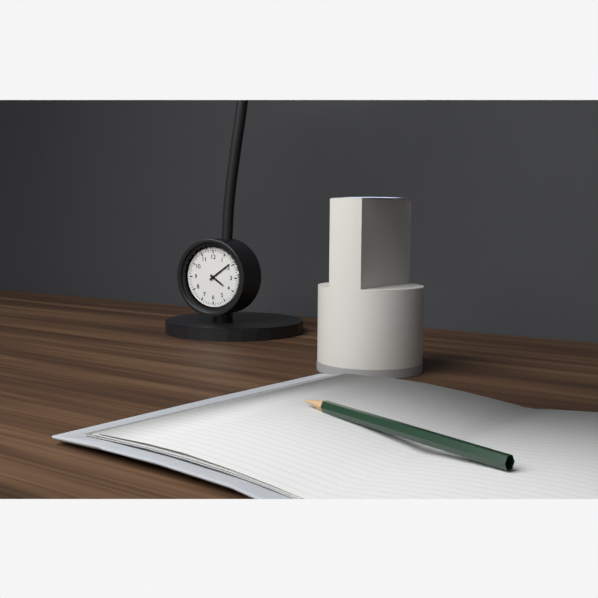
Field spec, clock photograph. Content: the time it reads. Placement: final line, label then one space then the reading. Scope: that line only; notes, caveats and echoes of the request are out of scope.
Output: 4:09
